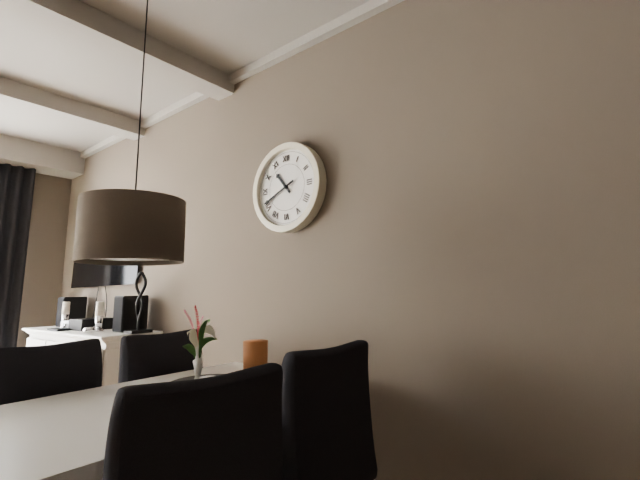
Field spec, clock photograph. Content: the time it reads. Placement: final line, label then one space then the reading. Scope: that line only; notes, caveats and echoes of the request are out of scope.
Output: 10:41
